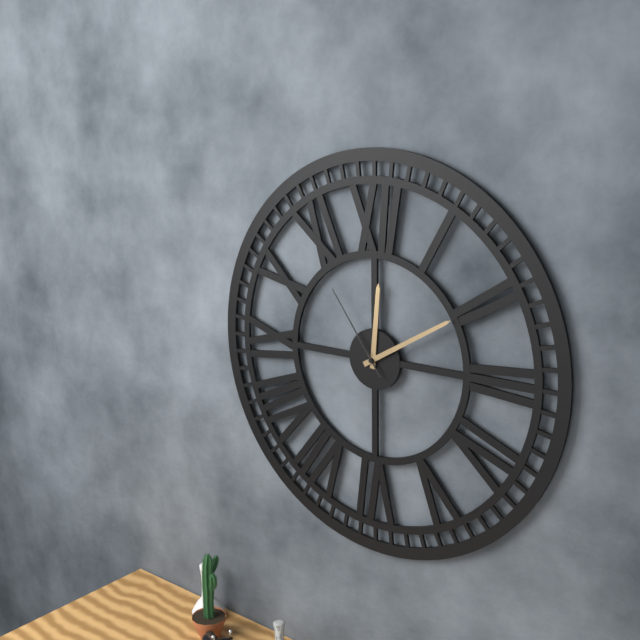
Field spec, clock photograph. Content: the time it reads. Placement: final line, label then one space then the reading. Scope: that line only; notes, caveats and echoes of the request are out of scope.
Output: 12:10:54
